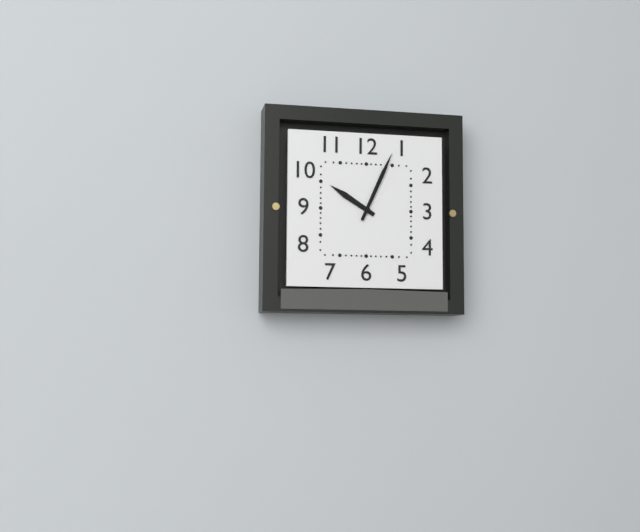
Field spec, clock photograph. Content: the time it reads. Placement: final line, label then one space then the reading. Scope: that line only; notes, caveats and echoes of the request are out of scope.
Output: 10:04
